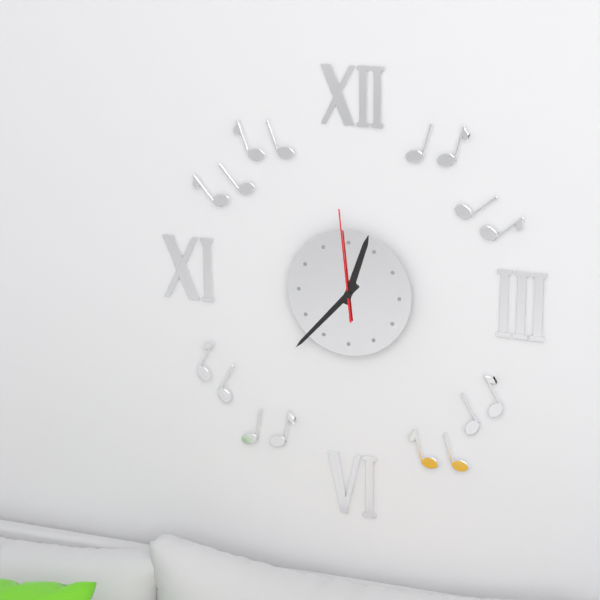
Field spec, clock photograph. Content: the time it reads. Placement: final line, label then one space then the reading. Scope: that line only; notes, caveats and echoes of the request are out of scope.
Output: 12:37:59
